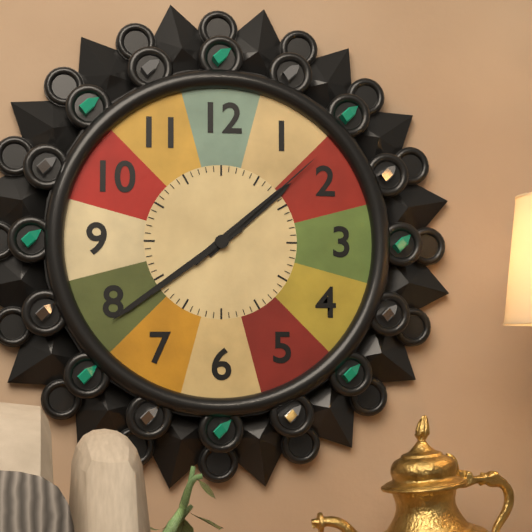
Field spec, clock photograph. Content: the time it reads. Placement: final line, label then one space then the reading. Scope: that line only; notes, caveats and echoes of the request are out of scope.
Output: 1:39:08
